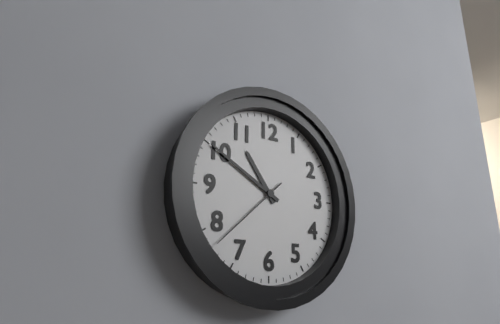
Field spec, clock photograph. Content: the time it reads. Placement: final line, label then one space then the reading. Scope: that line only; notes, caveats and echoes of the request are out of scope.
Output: 10:50:38
